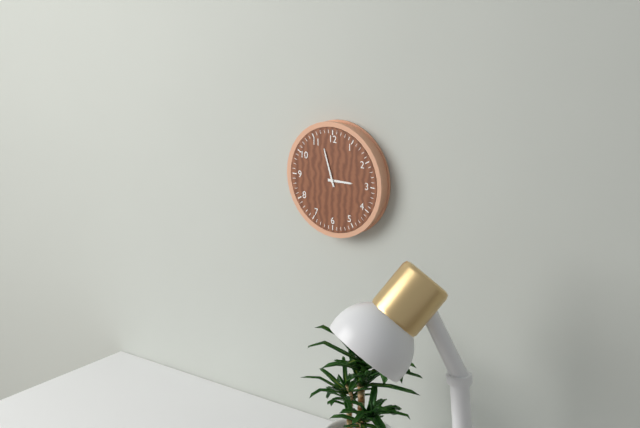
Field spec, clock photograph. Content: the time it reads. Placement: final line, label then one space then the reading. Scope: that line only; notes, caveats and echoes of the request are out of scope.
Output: 2:57
